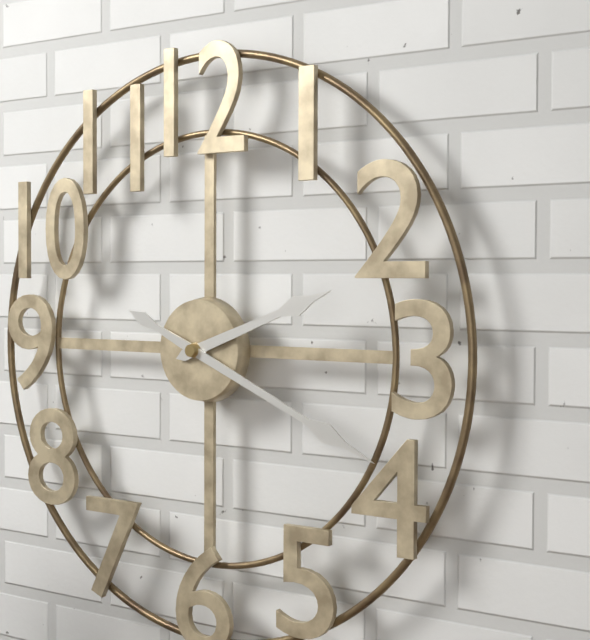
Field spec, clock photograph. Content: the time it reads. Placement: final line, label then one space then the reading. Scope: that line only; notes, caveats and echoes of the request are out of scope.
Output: 2:19
